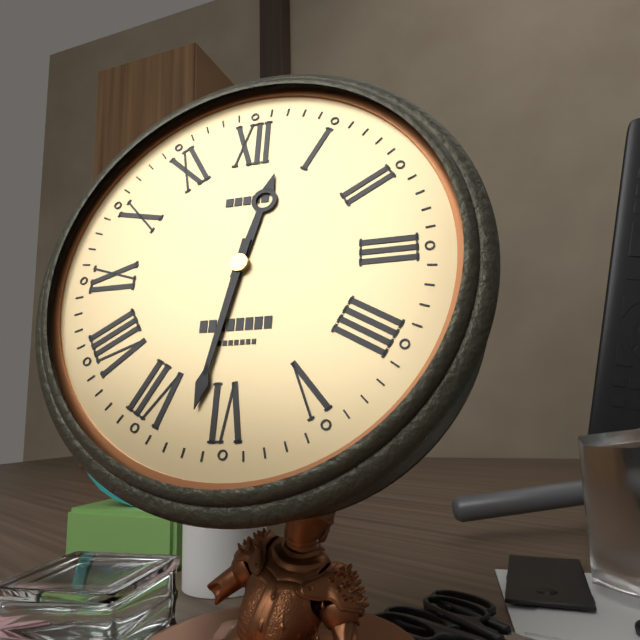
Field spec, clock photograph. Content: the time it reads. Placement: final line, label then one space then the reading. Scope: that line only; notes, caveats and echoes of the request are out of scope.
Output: 12:32
